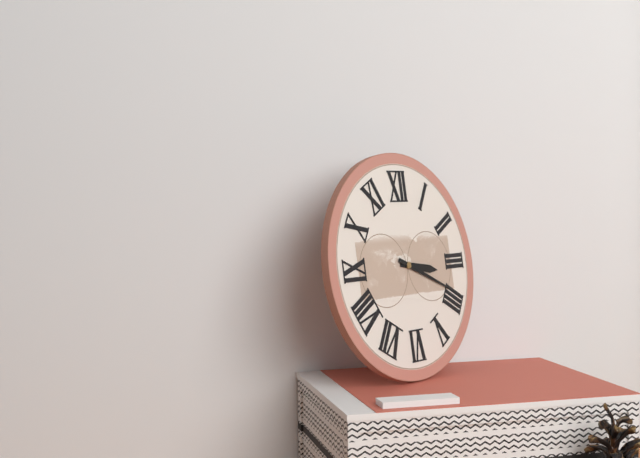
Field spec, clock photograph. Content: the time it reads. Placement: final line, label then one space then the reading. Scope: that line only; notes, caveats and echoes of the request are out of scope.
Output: 3:19
